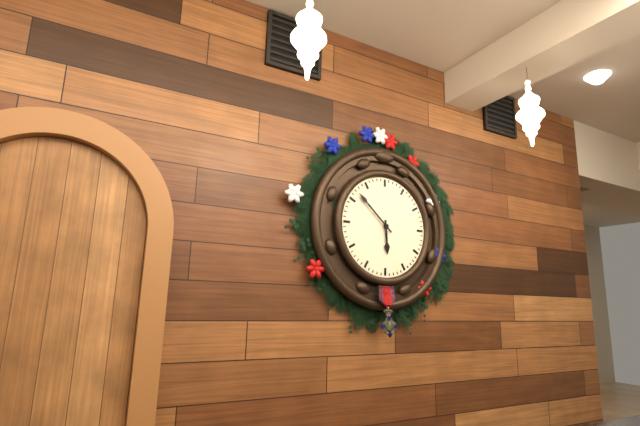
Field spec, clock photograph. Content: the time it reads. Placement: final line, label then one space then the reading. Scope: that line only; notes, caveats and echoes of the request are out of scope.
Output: 5:52
